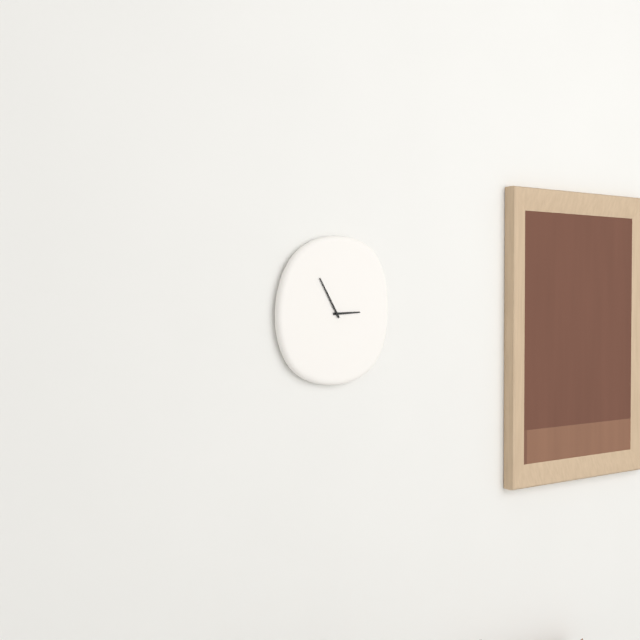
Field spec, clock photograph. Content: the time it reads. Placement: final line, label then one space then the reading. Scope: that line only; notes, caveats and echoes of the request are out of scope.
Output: 2:55
